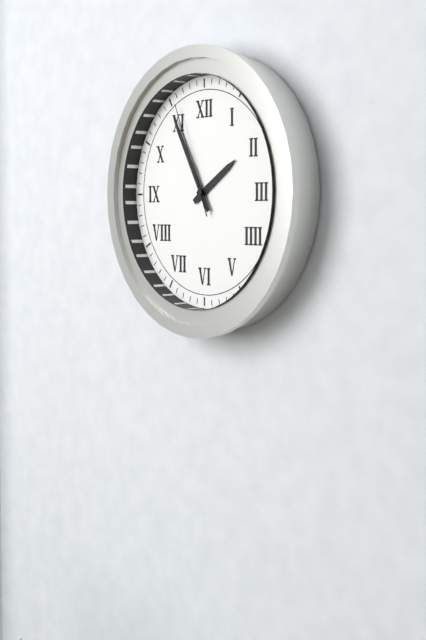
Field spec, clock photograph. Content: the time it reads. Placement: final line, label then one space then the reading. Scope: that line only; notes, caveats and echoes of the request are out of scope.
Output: 1:55:56
